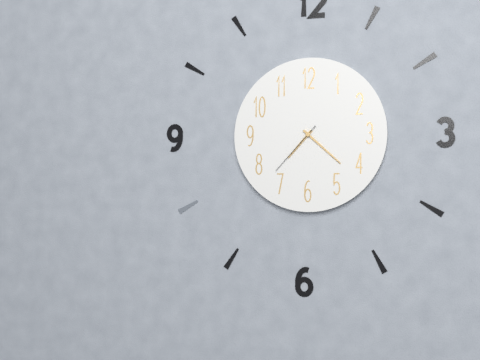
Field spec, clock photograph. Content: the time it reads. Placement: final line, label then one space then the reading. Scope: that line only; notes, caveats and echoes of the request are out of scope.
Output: 7:22:37
